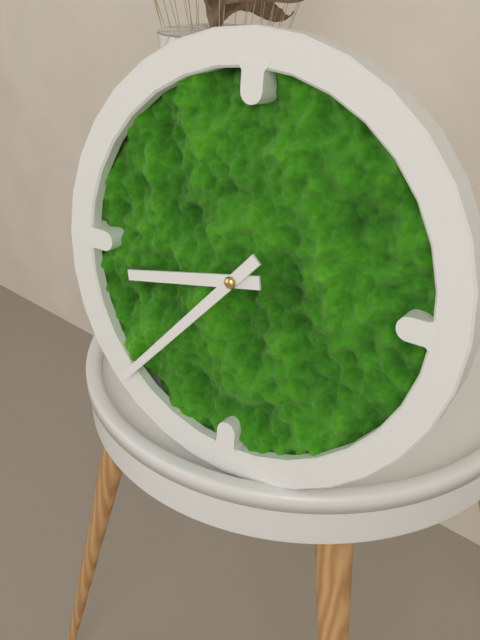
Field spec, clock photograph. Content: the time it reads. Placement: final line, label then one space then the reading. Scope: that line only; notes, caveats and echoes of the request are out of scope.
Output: 8:37
